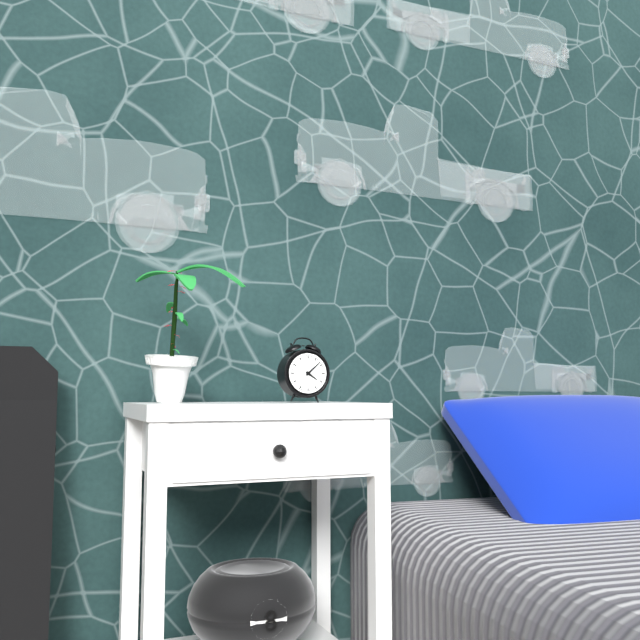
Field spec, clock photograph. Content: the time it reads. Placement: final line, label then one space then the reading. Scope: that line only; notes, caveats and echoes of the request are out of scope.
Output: 4:08
